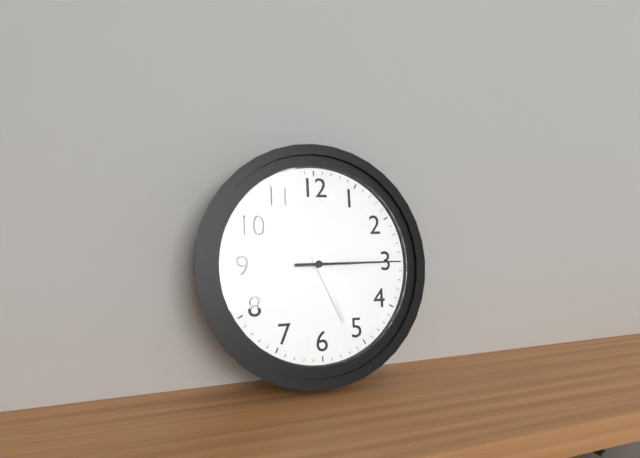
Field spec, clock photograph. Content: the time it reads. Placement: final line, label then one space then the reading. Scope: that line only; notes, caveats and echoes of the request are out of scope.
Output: 5:15
